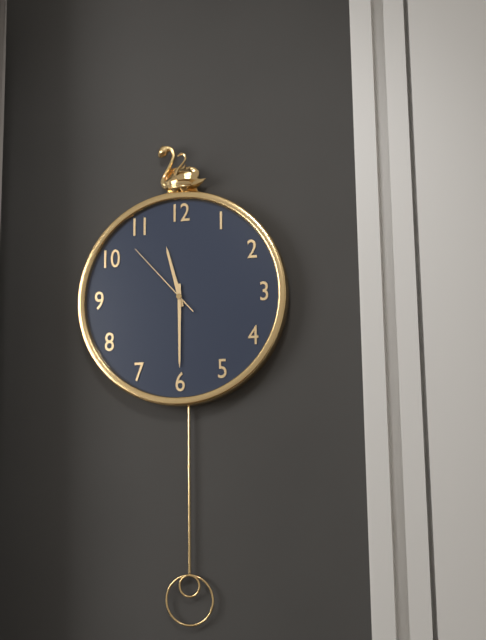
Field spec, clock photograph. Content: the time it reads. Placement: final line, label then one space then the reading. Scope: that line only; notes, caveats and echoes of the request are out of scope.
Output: 11:30:53
